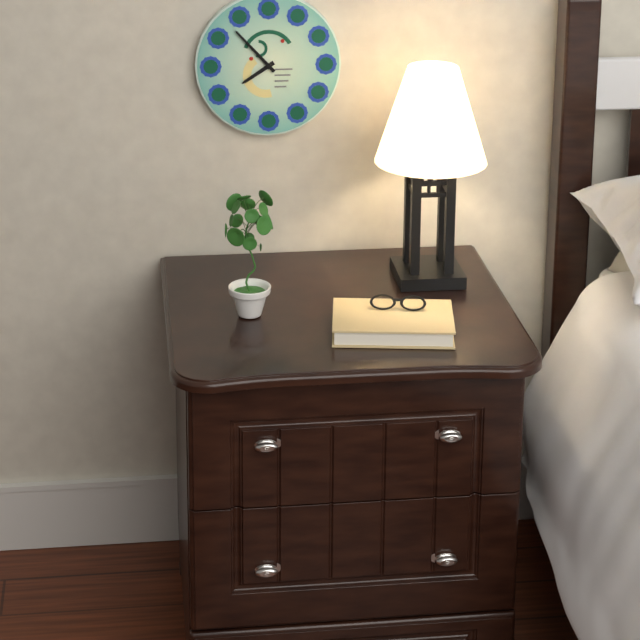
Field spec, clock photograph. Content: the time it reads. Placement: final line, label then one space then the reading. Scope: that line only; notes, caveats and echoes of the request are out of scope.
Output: 7:53
